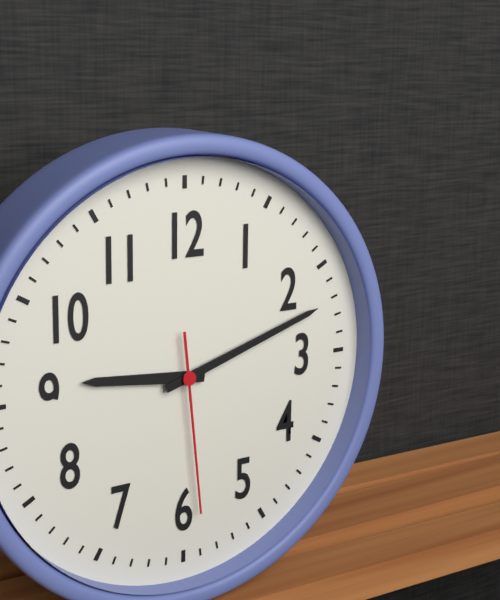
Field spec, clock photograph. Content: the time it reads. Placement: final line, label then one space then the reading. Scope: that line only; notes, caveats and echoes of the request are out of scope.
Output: 9:12:29
